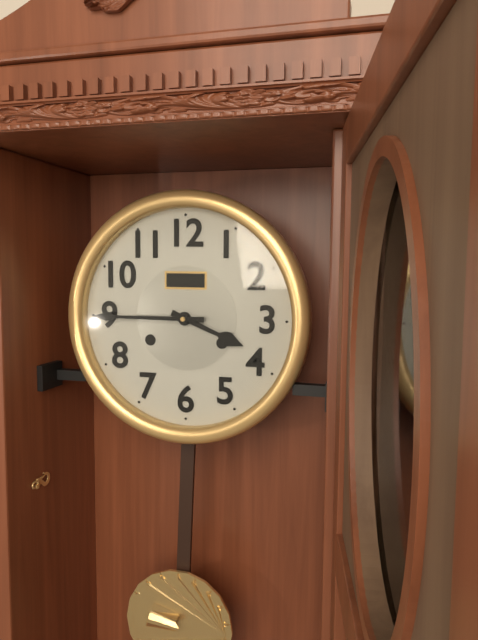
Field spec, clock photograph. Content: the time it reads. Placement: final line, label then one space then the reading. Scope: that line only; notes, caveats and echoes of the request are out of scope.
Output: 3:45
